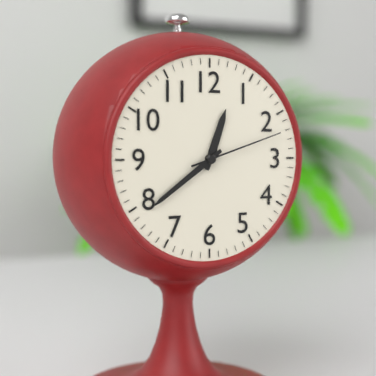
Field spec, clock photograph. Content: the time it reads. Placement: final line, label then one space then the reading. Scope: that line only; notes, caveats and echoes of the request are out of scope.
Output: 12:39:12
